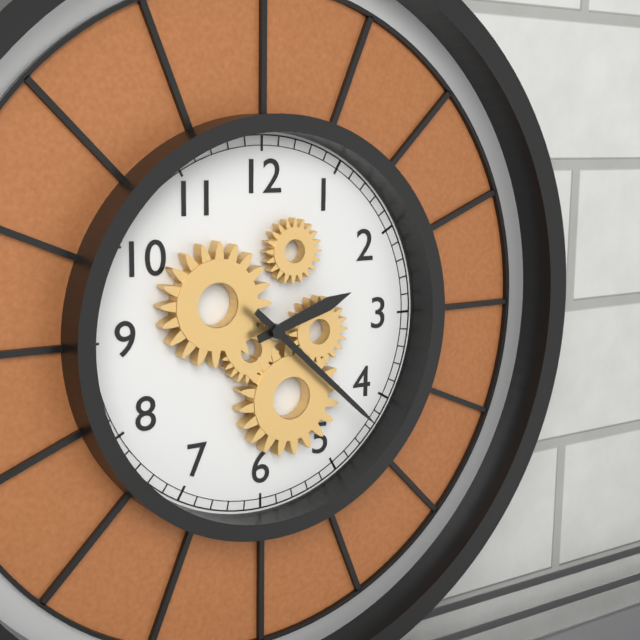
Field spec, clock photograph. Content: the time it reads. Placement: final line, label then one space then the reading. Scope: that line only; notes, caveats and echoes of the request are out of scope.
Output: 2:22
